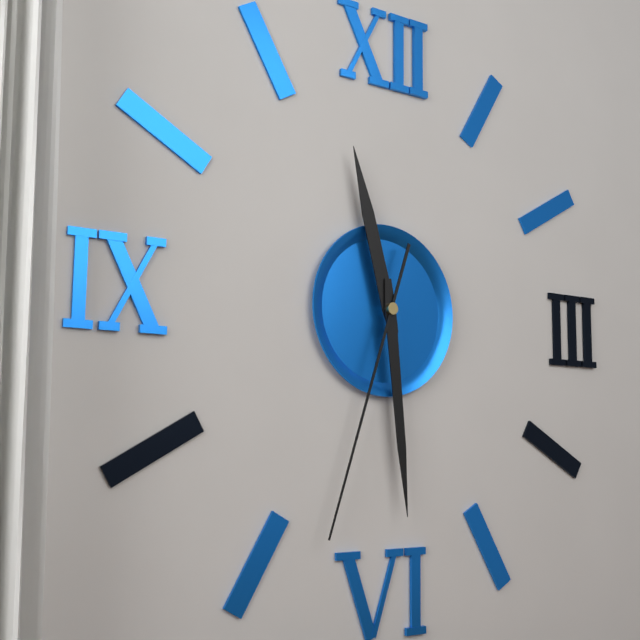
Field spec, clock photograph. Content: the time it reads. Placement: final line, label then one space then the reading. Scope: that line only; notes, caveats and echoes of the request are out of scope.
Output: 11:29:33
